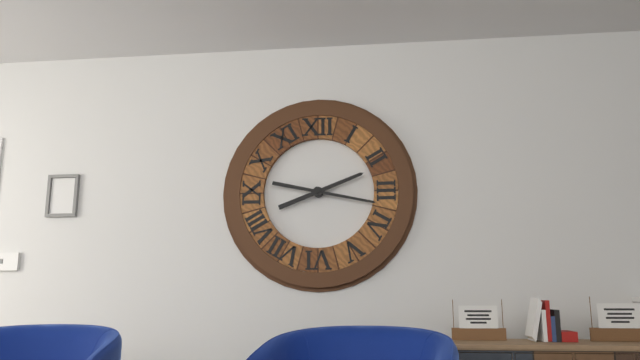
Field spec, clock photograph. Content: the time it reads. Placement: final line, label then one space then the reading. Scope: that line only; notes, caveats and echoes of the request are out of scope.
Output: 2:17
